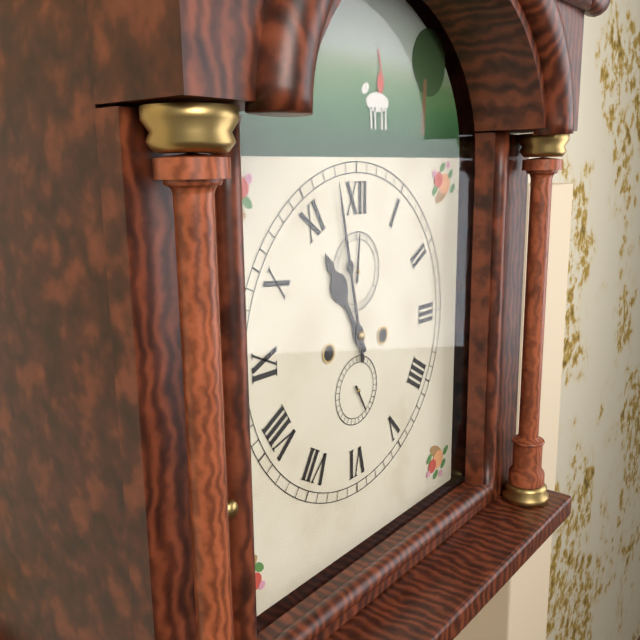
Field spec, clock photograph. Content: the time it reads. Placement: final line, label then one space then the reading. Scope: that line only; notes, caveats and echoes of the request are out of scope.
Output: 10:58
